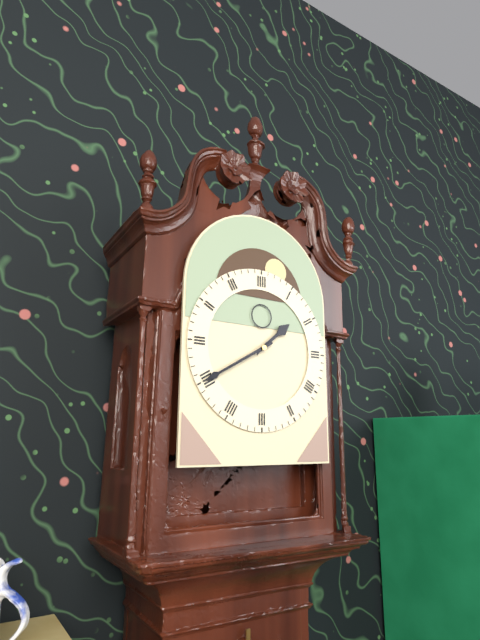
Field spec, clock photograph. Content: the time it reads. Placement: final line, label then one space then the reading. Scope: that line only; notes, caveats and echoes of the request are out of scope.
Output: 1:40
